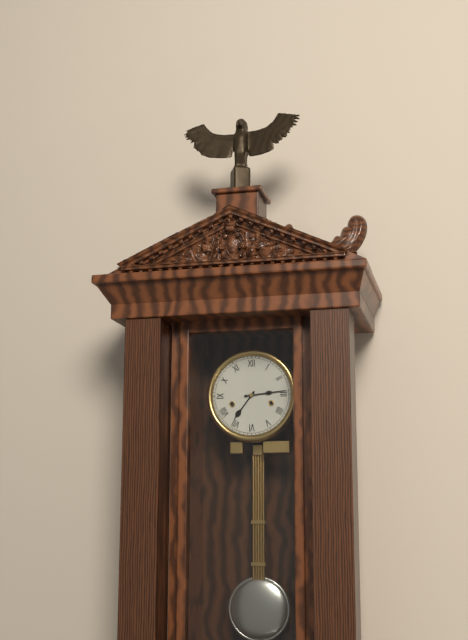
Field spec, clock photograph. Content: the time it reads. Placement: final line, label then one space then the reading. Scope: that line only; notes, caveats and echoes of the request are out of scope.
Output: 7:14
